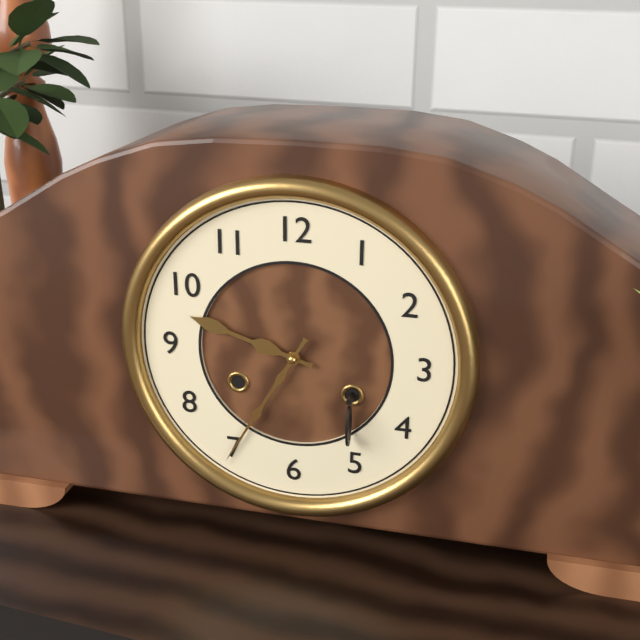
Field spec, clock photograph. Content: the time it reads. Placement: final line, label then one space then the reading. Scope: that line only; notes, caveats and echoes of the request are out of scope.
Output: 9:35
